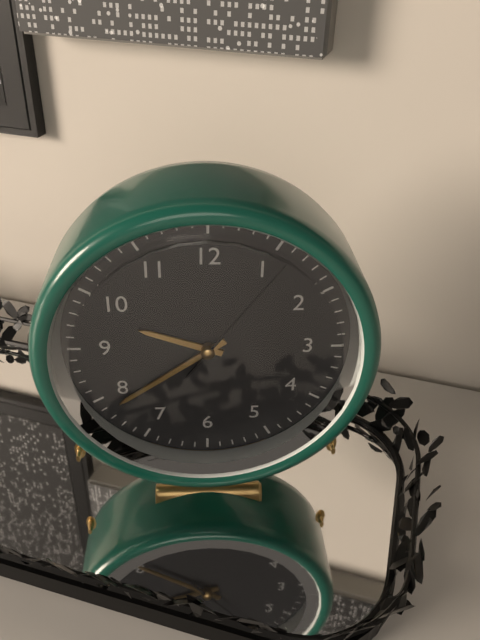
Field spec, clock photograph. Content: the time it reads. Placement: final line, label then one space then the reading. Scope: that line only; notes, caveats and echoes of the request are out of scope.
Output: 9:39:06
